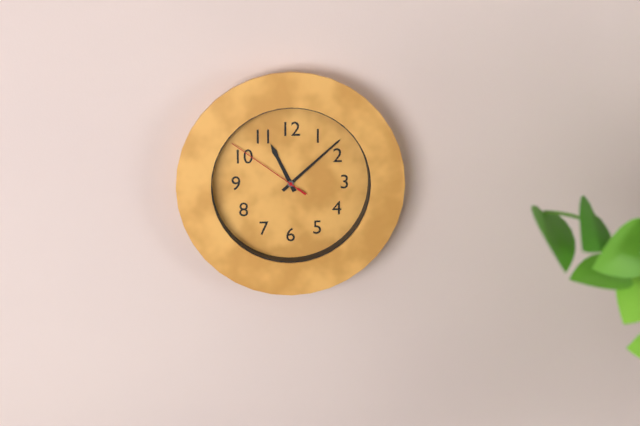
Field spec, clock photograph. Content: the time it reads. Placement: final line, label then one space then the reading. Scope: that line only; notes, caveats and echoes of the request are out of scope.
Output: 11:08:51
